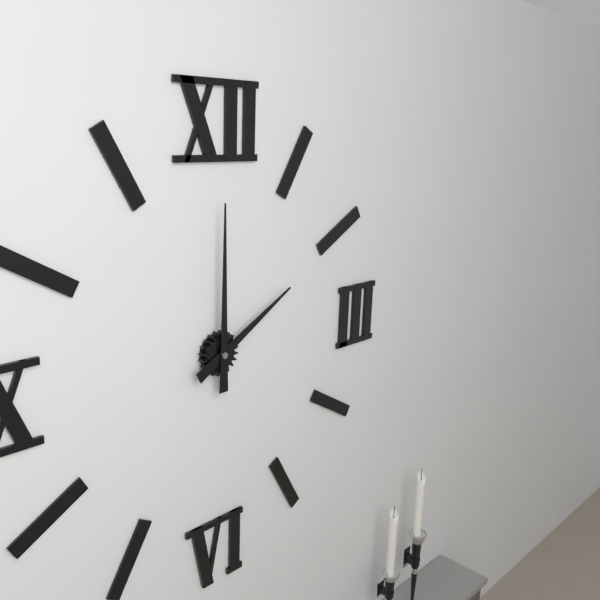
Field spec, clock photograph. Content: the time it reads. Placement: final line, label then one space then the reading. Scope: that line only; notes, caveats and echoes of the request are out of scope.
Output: 2:00
